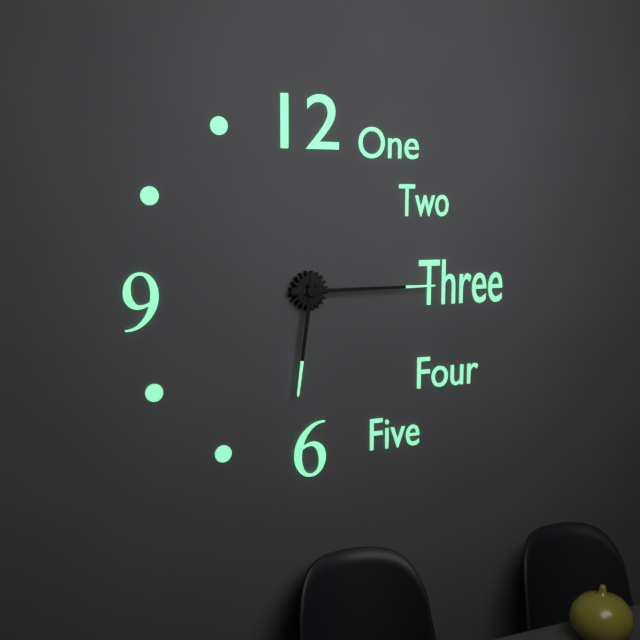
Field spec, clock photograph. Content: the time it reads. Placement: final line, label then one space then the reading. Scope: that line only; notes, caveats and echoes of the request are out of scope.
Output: 6:15
